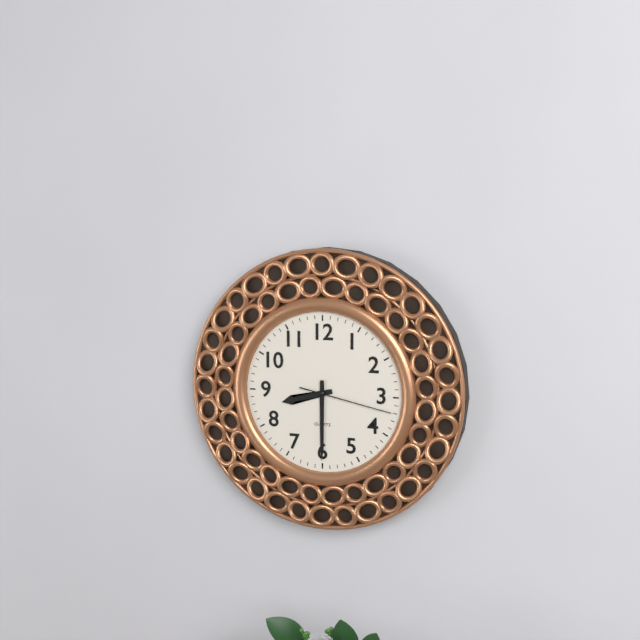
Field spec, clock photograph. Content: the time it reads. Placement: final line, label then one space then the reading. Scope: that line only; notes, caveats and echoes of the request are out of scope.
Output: 8:30:17
